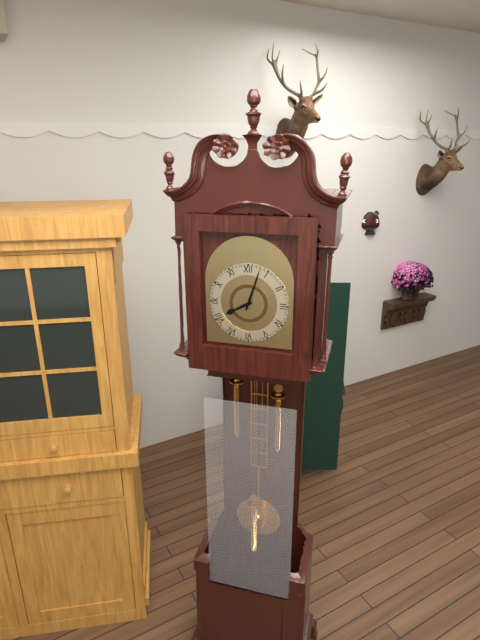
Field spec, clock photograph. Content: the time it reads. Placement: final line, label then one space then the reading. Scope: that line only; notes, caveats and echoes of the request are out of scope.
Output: 8:03
